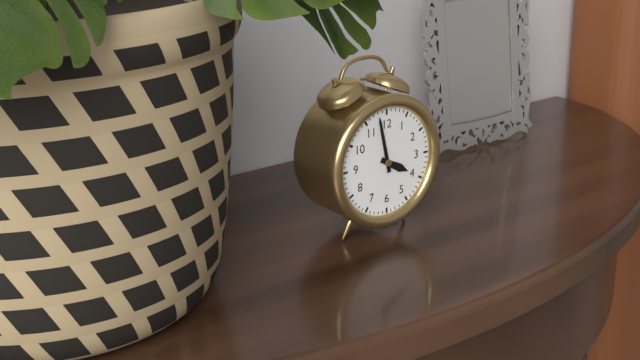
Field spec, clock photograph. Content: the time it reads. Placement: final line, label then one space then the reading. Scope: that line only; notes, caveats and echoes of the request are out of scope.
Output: 3:58
